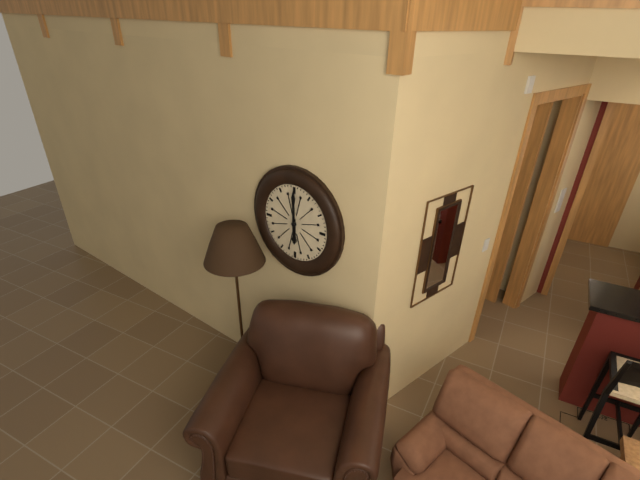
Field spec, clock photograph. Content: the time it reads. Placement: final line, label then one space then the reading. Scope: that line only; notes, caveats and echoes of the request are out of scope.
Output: 6:00
